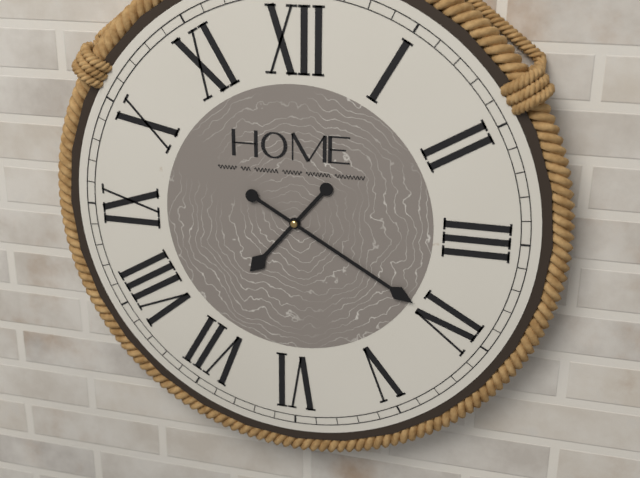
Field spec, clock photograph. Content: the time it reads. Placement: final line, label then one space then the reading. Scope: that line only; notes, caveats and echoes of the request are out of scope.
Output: 7:20
